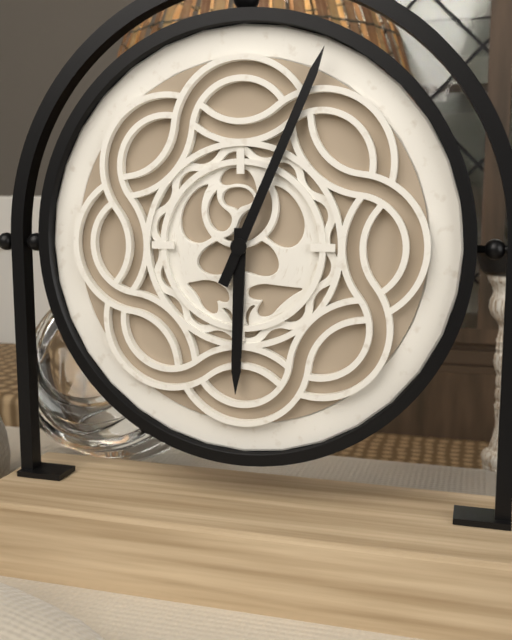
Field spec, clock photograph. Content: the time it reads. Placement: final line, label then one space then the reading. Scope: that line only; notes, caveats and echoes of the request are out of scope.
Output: 6:04
